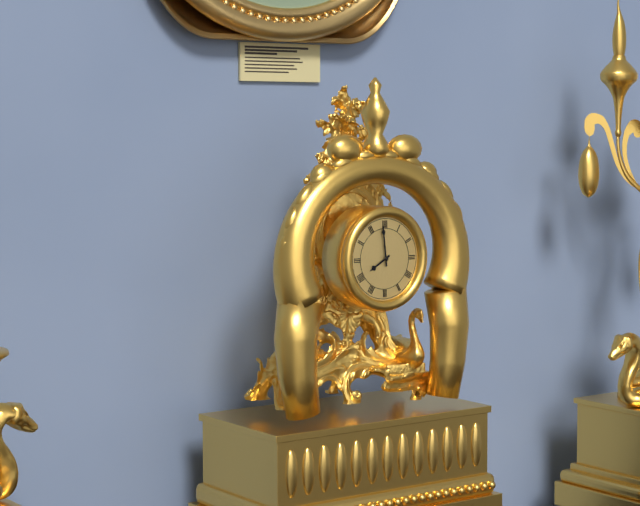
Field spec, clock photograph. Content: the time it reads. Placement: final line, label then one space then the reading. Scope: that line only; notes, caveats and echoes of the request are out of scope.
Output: 7:59
